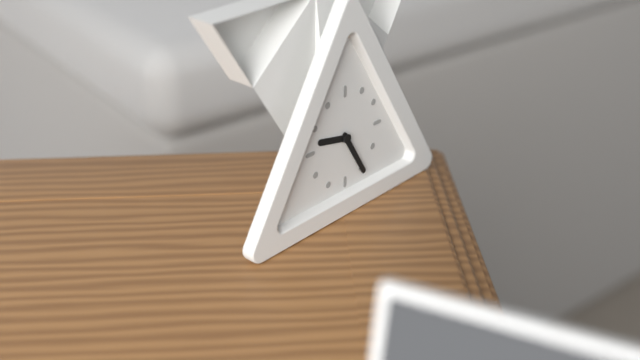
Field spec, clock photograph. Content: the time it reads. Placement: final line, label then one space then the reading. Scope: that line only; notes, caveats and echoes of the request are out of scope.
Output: 9:25
